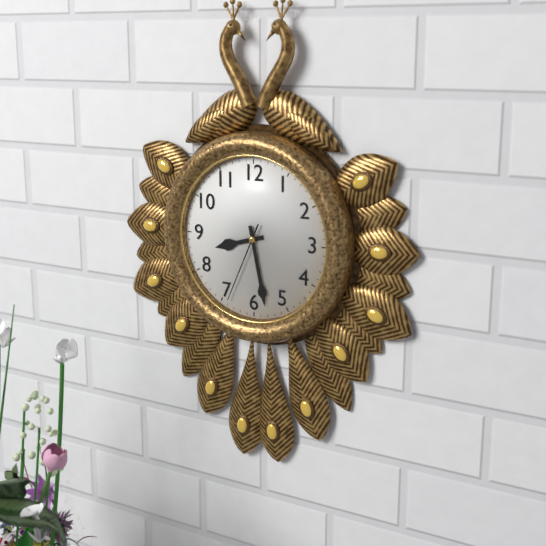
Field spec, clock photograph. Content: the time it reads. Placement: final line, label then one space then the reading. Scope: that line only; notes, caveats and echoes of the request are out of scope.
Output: 8:28:34
